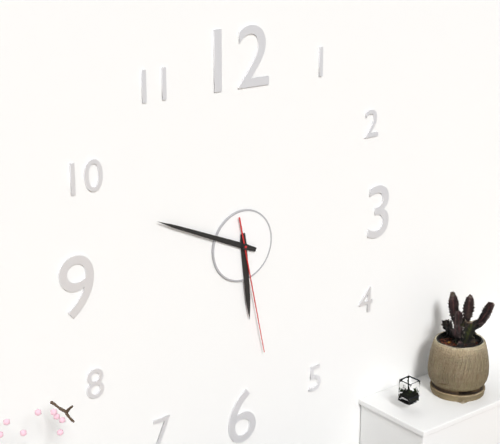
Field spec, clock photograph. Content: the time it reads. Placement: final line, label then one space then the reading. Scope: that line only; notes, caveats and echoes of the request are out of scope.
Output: 5:49:28
